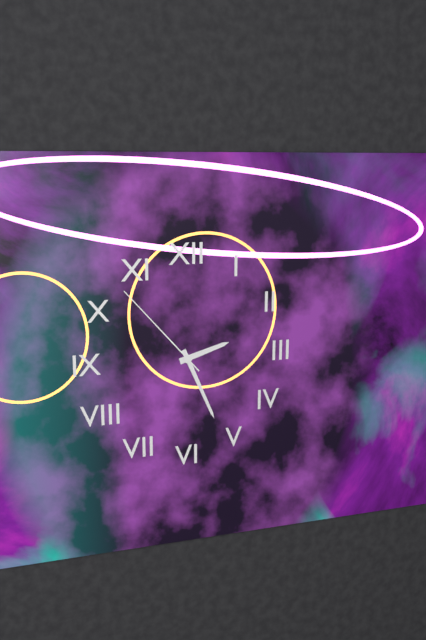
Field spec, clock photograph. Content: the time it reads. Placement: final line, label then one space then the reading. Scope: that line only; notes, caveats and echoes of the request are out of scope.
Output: 2:26:53
